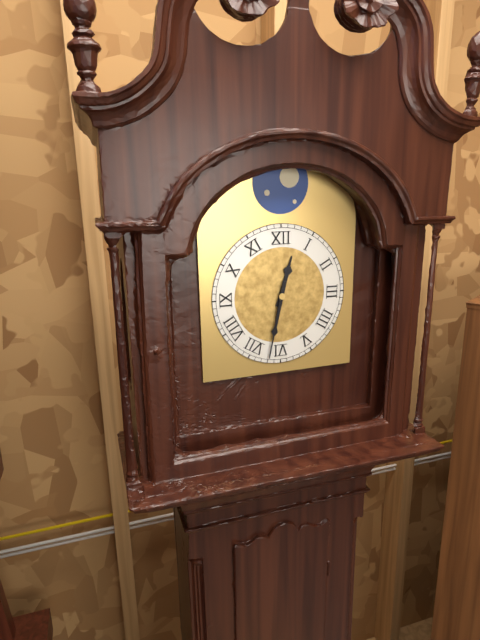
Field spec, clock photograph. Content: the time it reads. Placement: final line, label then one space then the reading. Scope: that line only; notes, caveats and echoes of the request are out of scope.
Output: 12:32
